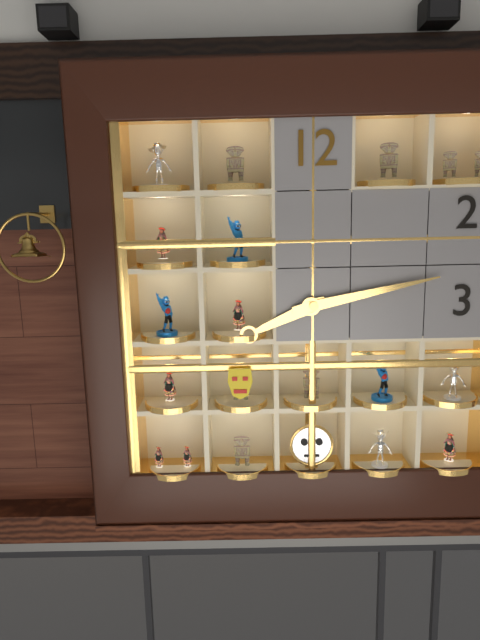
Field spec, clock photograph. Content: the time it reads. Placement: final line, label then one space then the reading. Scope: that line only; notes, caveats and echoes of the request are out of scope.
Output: 8:13
